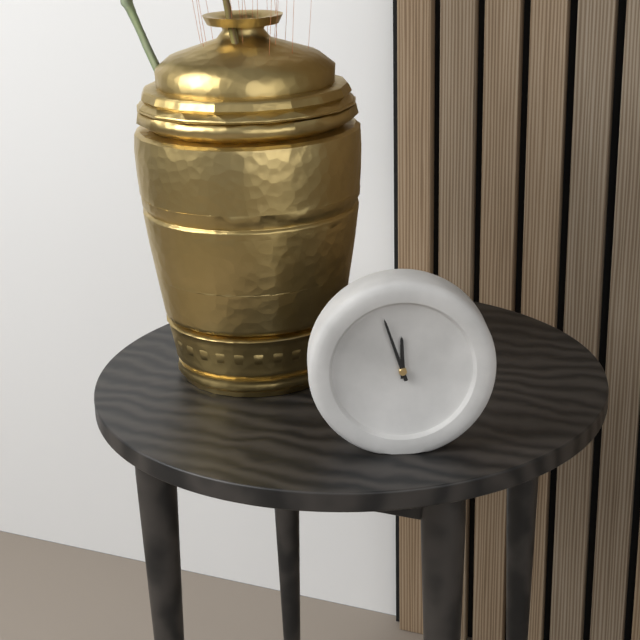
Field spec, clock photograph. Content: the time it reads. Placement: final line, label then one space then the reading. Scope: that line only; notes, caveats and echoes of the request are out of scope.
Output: 11:57
